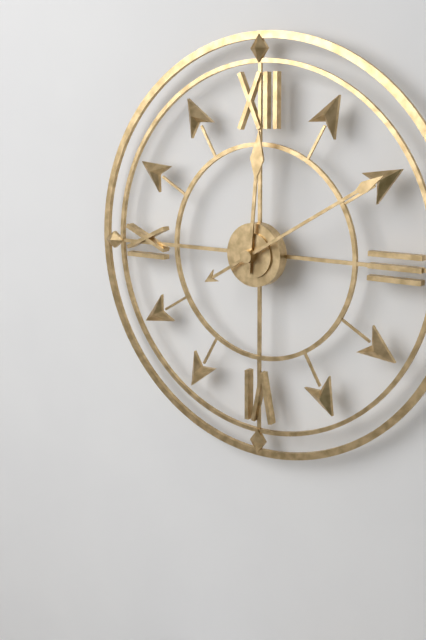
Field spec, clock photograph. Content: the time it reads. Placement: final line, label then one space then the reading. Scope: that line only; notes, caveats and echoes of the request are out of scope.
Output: 12:10
